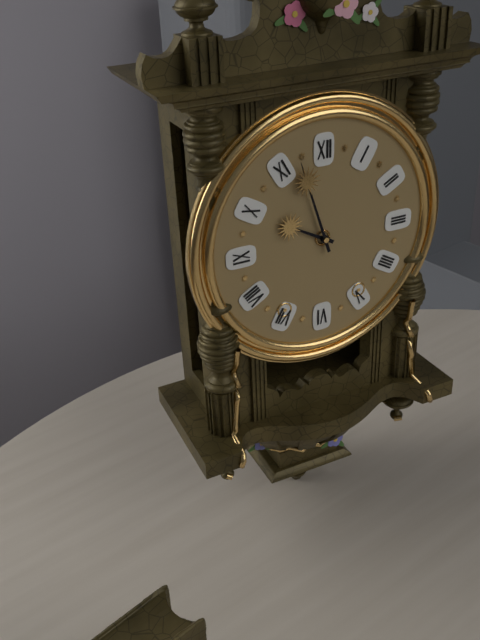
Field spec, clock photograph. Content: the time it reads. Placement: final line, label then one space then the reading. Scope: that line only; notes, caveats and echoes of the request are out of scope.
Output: 9:57
